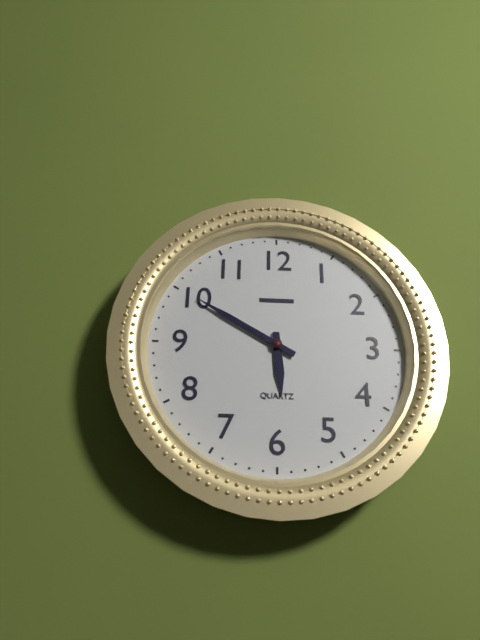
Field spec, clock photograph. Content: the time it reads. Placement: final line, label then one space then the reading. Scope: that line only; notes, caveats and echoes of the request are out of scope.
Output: 5:50
